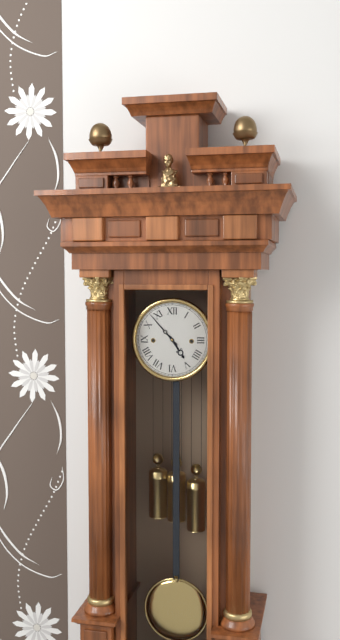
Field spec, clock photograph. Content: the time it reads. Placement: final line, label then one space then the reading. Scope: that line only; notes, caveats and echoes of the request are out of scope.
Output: 4:53
